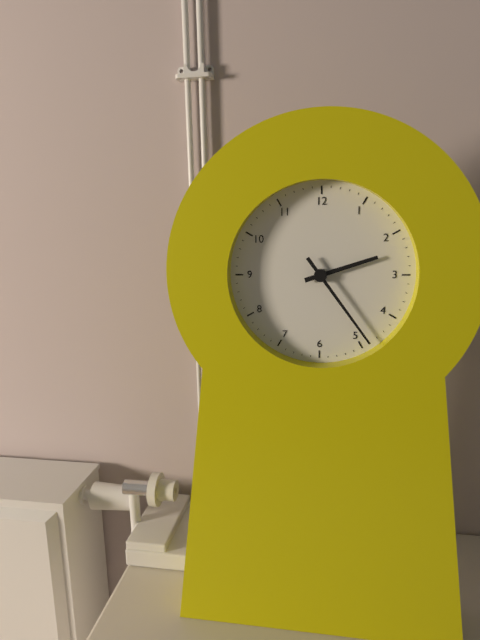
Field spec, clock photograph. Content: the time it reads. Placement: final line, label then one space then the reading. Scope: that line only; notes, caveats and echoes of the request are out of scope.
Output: 2:24
